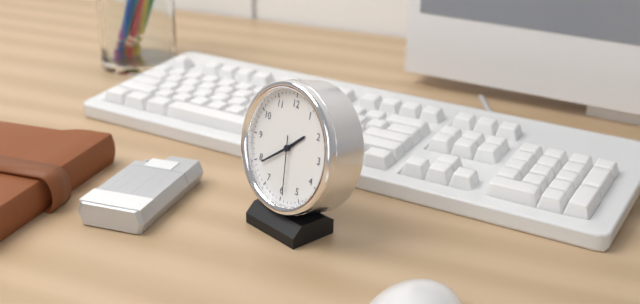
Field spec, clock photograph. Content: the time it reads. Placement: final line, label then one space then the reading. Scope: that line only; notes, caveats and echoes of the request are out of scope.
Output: 1:39:29
